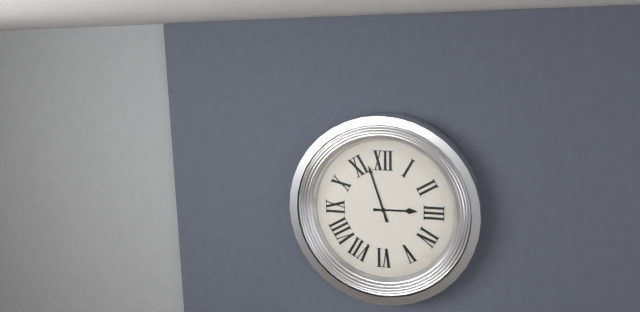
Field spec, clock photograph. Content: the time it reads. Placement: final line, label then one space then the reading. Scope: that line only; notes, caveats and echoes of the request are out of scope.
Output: 2:57
